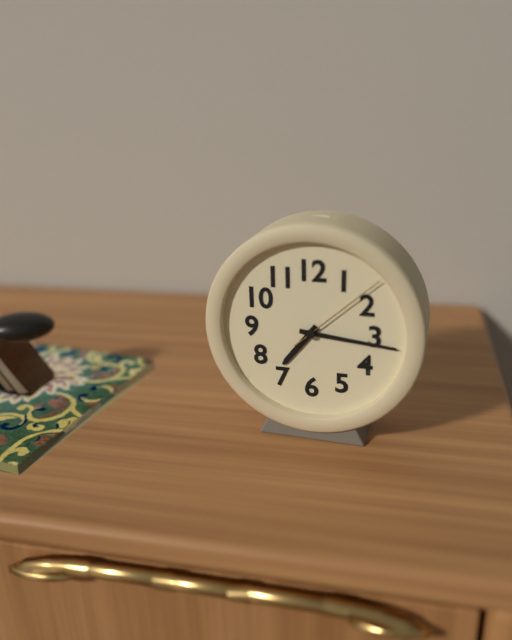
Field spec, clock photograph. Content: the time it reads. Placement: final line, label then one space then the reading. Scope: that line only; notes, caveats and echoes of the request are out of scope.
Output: 7:16:08
